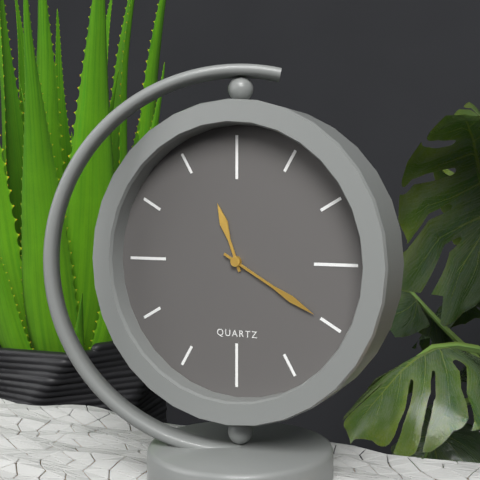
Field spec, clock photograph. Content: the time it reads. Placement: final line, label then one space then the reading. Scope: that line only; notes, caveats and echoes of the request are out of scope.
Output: 11:20
